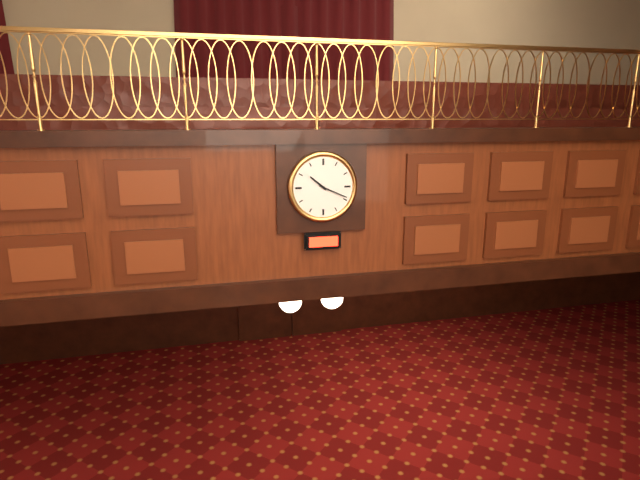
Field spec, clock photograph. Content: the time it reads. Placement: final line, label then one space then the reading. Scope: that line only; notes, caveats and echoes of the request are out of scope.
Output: 10:19
